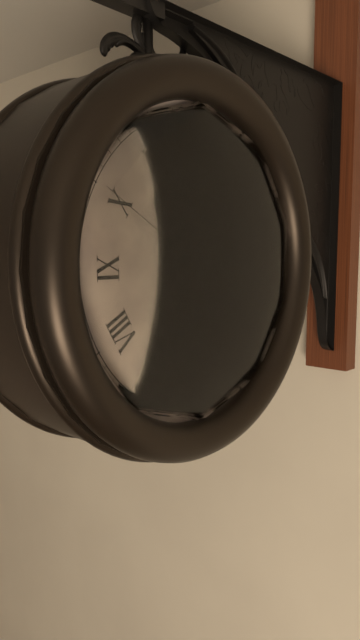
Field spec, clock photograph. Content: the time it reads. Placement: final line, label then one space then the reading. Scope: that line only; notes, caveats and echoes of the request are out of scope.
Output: 5:31:50
